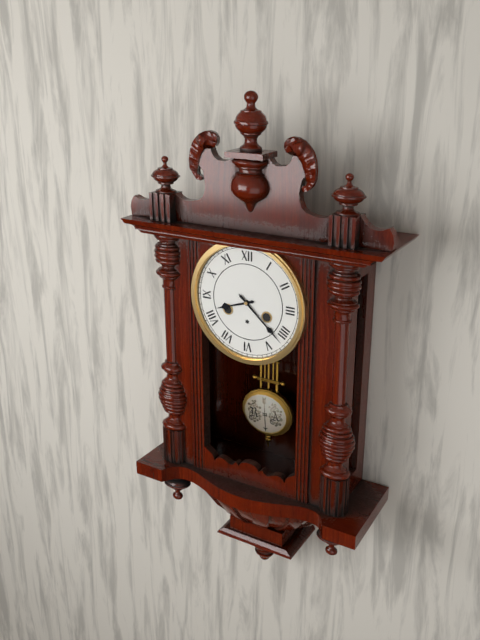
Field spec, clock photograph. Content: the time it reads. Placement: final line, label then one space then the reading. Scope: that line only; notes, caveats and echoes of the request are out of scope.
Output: 8:22
